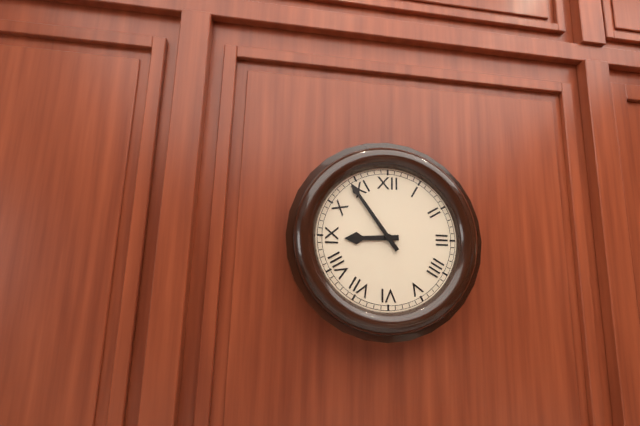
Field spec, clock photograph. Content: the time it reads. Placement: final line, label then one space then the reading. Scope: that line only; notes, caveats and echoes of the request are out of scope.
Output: 8:54
